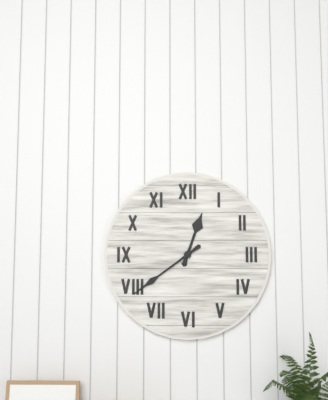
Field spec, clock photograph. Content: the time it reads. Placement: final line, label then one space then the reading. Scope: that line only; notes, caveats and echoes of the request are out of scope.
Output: 12:39
